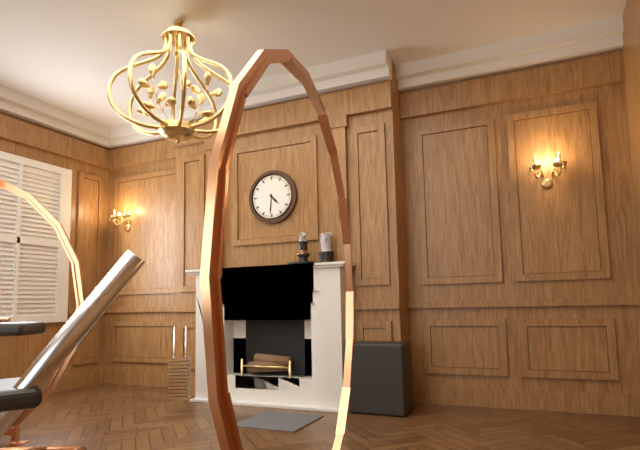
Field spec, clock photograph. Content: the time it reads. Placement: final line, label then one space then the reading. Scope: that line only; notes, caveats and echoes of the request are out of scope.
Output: 4:31
